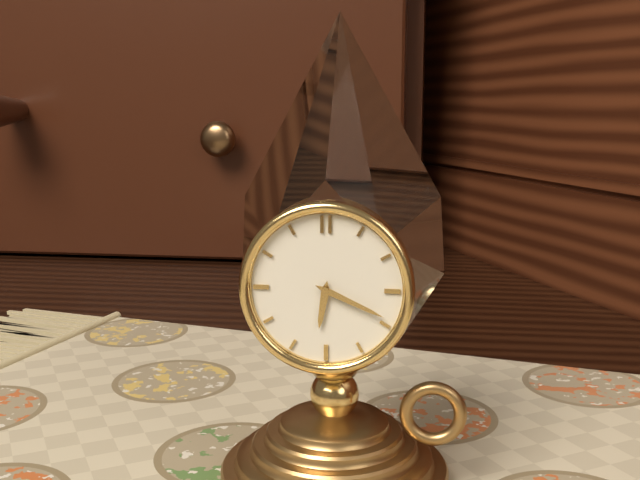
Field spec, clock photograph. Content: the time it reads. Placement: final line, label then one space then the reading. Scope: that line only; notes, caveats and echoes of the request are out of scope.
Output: 6:19
